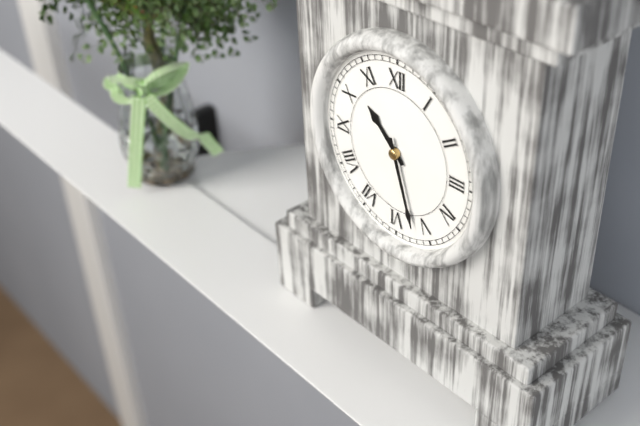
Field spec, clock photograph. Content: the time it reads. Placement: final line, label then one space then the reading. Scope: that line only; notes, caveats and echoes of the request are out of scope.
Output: 10:27
